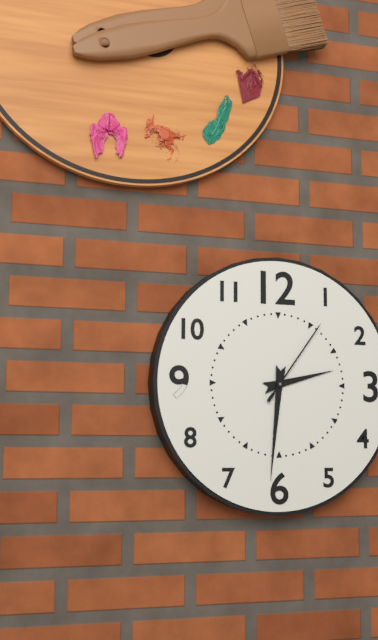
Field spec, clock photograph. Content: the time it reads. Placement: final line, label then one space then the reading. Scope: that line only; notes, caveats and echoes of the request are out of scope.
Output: 2:31:06
